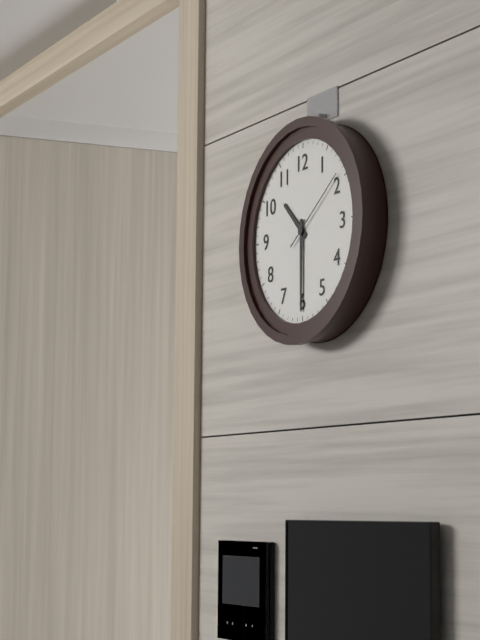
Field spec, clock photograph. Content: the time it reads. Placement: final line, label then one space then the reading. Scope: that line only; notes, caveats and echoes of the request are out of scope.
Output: 10:30:09
